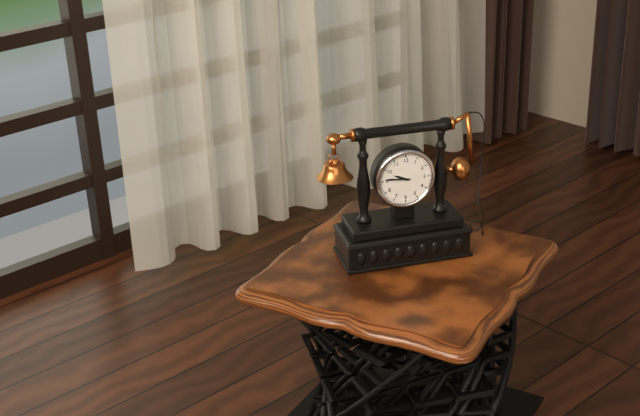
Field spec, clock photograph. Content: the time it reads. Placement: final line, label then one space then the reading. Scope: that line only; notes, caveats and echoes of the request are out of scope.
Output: 9:46
